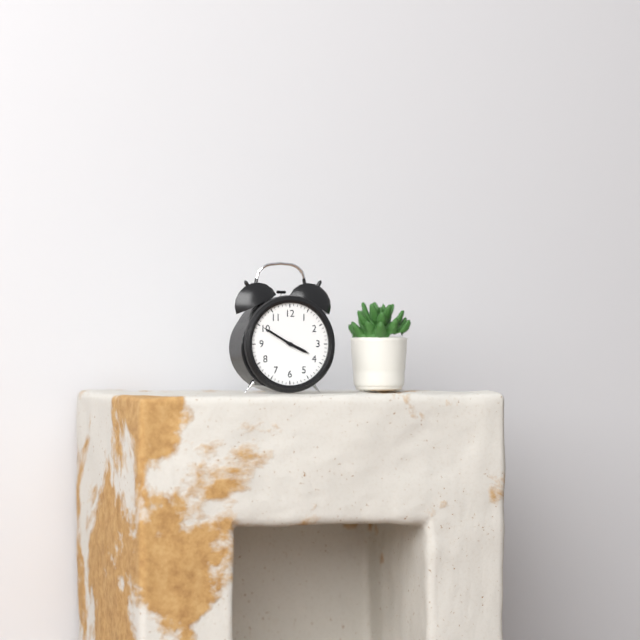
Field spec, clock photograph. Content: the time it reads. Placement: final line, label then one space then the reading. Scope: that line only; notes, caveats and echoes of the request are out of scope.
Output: 3:50
